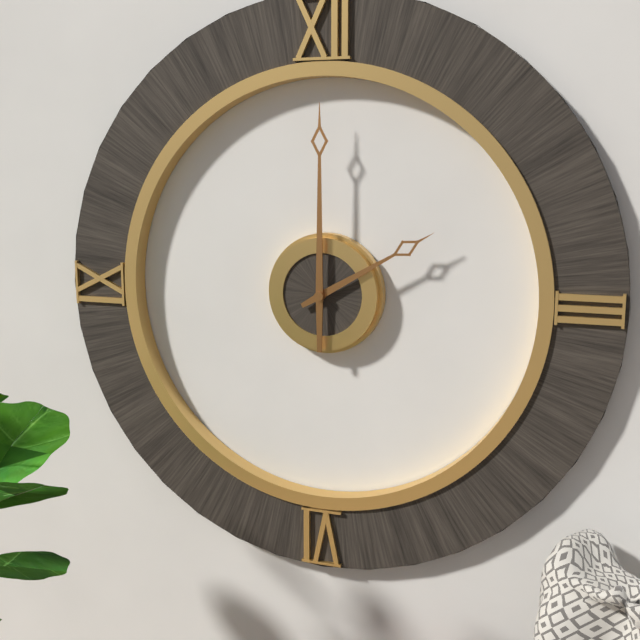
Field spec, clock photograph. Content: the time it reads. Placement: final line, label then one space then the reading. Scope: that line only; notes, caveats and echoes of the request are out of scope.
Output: 2:00
